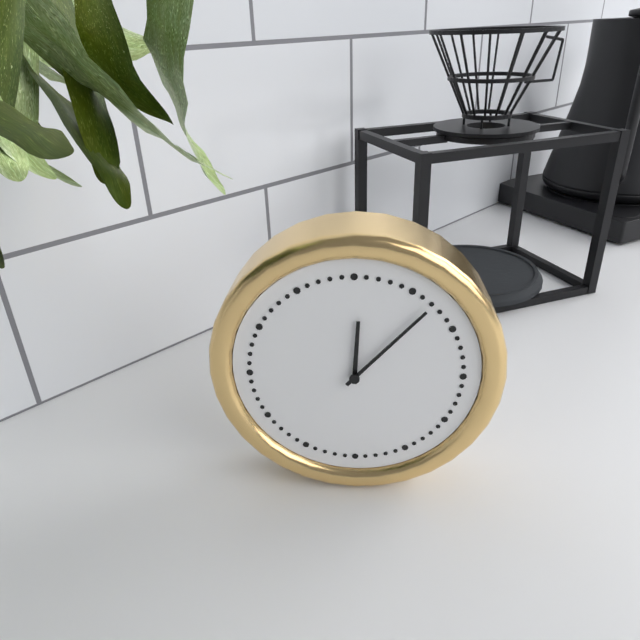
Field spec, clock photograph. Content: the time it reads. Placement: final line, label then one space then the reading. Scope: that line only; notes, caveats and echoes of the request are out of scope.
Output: 12:07
